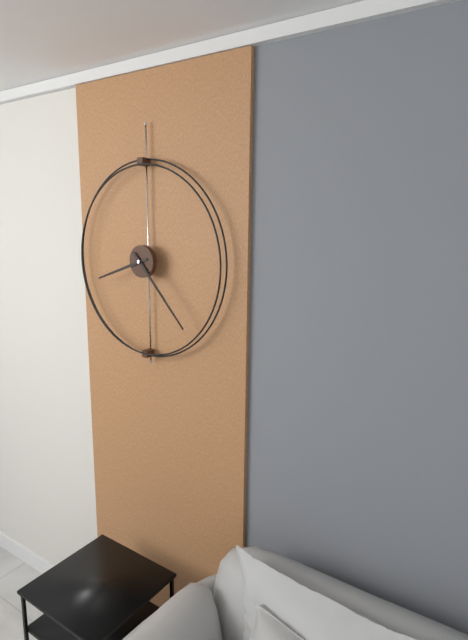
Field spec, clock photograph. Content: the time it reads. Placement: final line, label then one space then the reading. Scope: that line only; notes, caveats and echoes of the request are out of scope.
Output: 8:23
